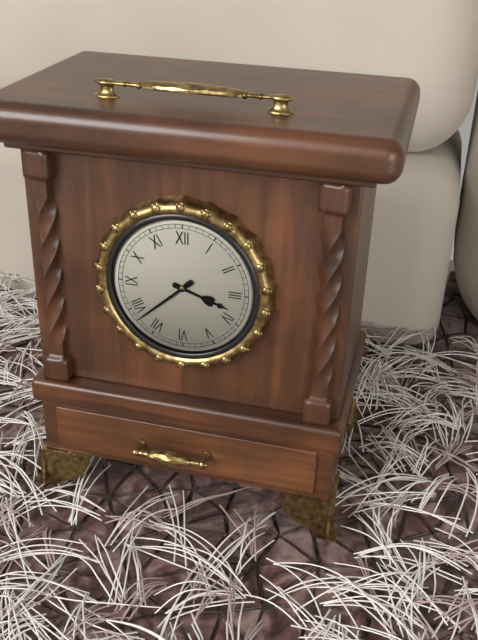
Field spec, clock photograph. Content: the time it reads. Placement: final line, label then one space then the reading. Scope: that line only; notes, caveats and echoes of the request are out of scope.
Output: 3:38
